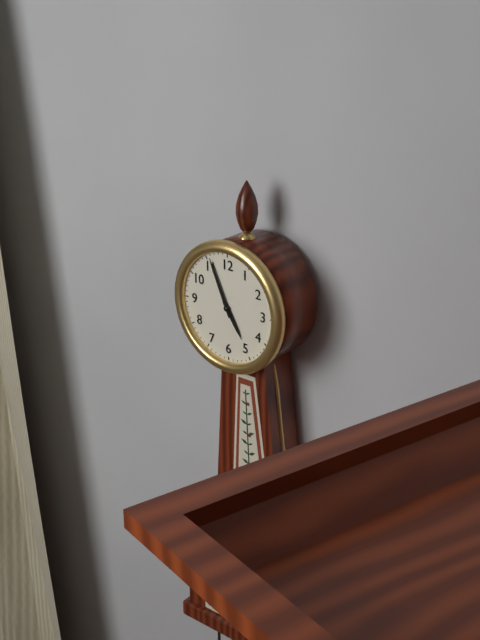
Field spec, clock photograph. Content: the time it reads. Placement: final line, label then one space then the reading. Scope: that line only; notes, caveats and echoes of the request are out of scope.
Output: 4:56
